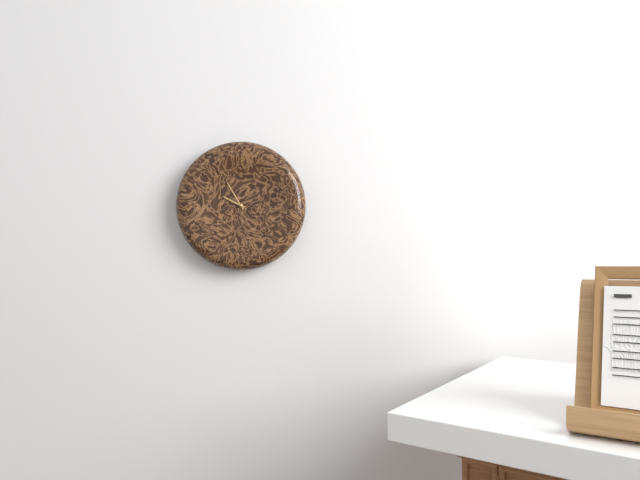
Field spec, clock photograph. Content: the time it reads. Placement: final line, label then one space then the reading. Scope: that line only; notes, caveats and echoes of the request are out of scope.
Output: 9:55
